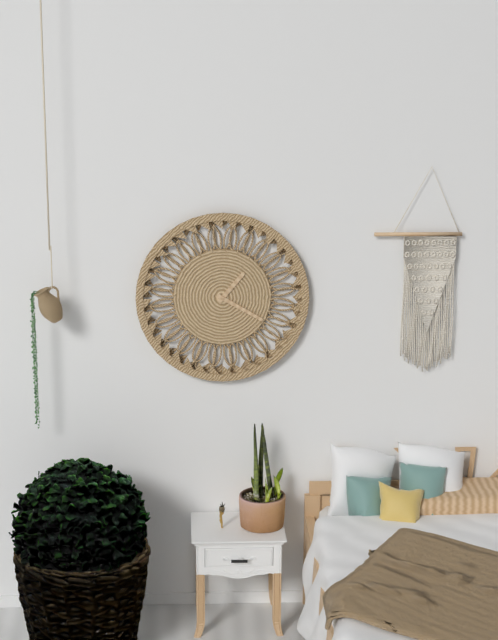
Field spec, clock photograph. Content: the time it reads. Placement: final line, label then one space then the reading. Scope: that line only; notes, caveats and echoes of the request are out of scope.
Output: 1:20
